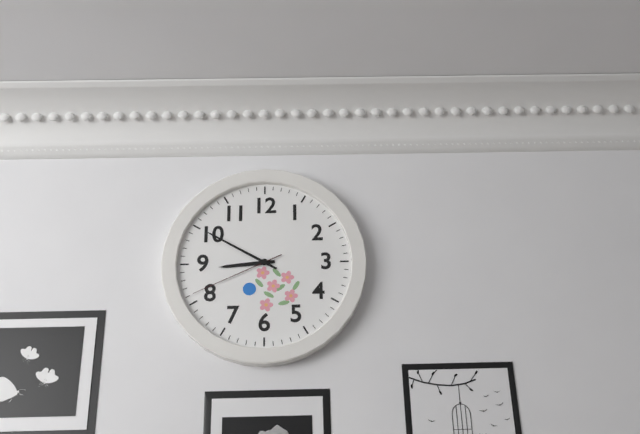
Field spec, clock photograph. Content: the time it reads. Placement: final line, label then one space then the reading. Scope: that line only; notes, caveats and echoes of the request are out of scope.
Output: 8:50:41
